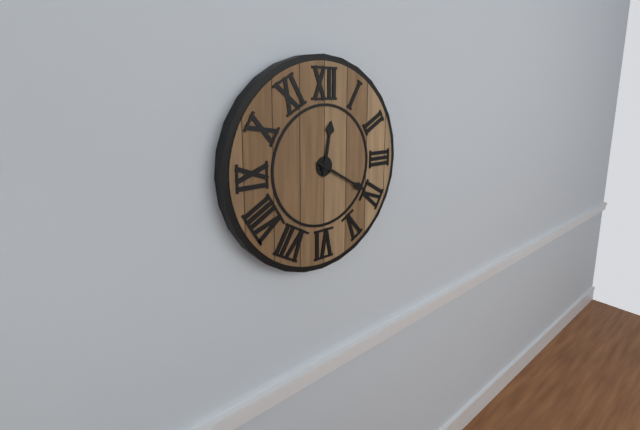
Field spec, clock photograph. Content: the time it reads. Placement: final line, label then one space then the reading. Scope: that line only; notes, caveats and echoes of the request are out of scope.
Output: 12:20
